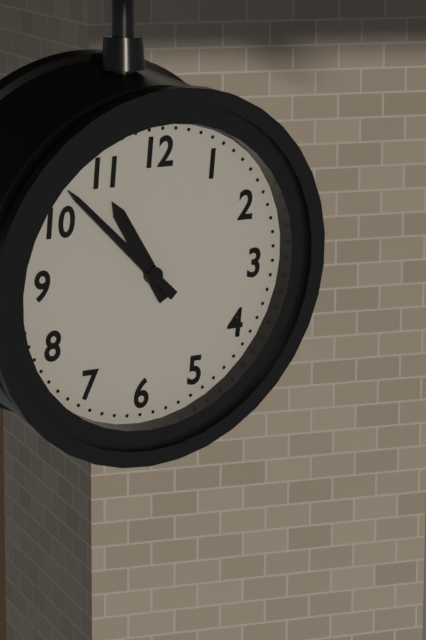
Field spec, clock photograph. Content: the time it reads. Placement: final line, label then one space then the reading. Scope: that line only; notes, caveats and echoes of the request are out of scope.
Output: 10:52
